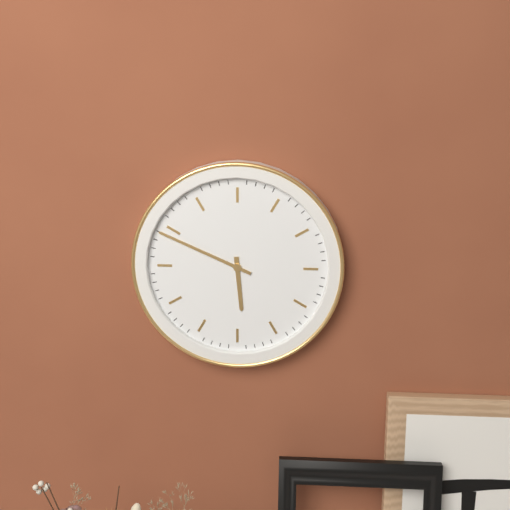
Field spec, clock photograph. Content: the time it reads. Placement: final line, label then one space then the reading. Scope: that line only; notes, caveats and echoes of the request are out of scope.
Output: 5:49
